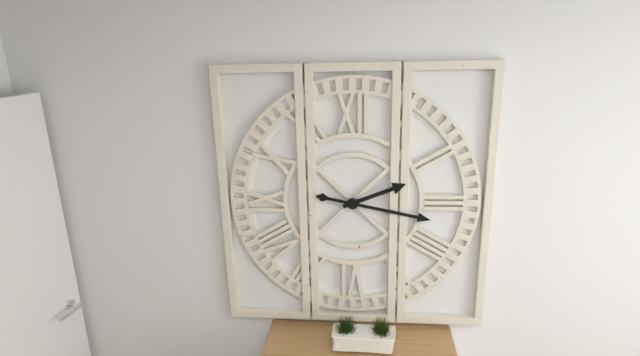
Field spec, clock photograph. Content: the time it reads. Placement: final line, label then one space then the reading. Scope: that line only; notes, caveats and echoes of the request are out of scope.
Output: 2:17
